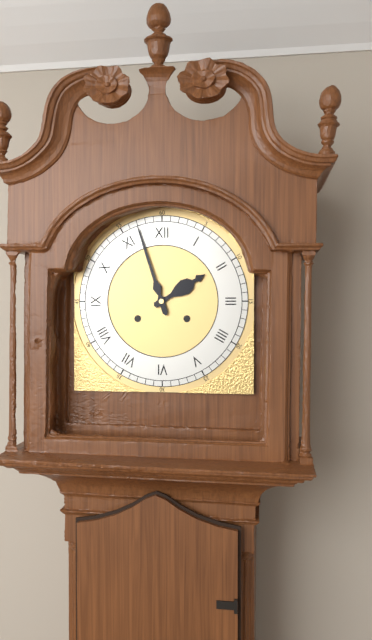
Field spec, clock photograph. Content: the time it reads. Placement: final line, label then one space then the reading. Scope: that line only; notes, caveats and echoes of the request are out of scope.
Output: 1:57
